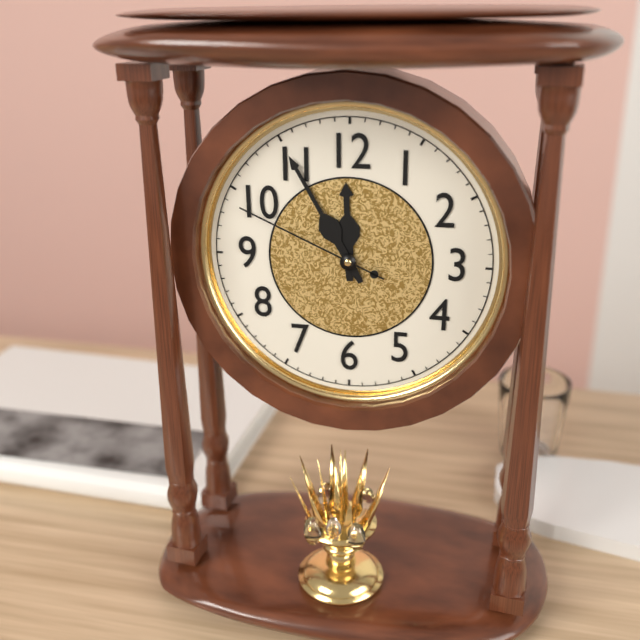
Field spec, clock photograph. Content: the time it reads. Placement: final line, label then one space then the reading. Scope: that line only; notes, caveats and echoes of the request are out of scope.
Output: 11:55:49
